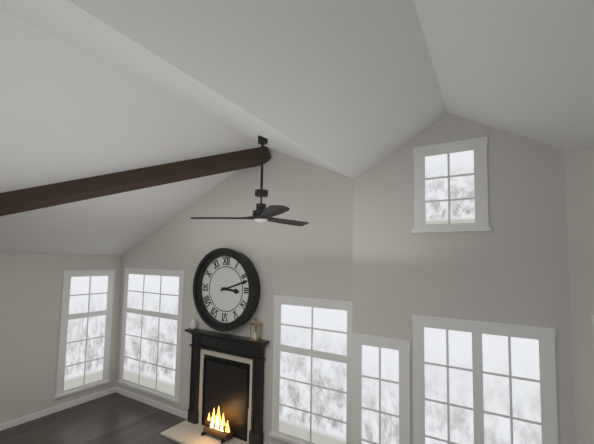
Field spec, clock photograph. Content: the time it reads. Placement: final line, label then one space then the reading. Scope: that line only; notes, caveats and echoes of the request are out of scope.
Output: 3:12
